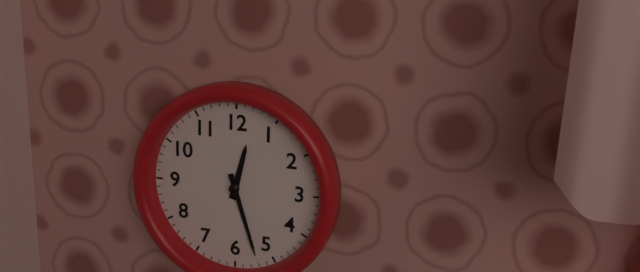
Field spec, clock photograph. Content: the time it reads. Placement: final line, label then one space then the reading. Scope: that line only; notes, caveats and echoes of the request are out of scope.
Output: 12:27
